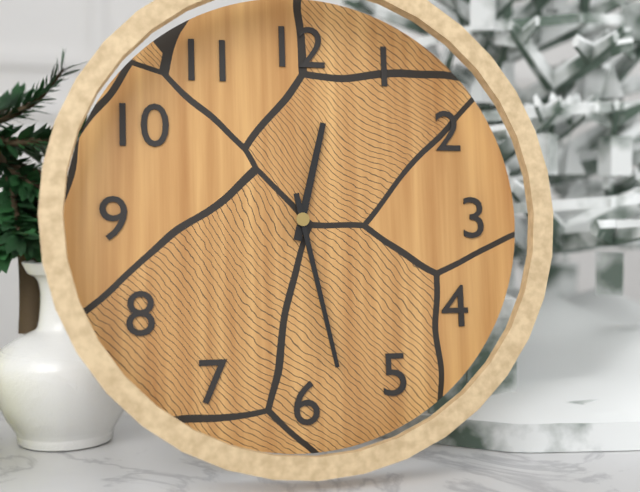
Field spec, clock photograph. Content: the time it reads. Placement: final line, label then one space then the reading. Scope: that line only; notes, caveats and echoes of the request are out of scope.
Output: 12:28
